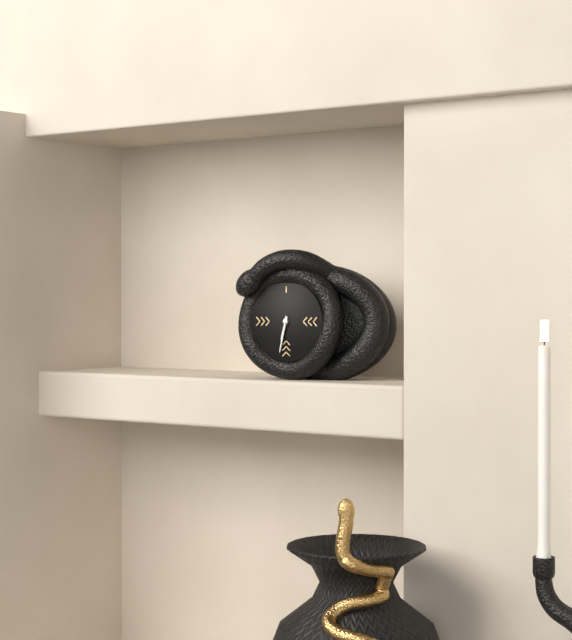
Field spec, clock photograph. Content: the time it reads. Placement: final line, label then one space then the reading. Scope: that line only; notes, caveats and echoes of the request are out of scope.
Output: 6:32
